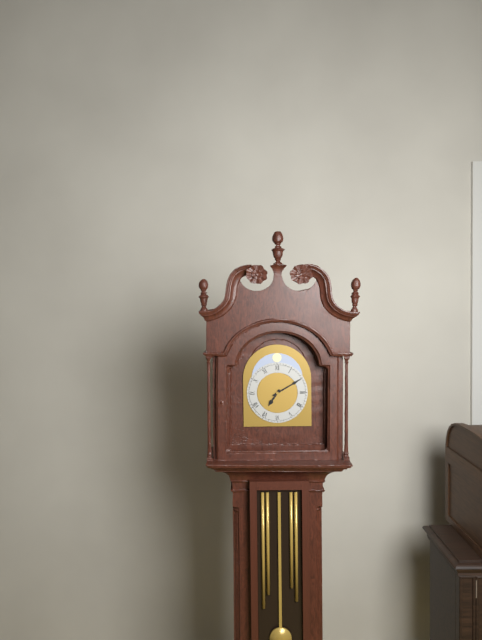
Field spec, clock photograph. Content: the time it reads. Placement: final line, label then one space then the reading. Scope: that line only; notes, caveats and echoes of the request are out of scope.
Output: 7:10
